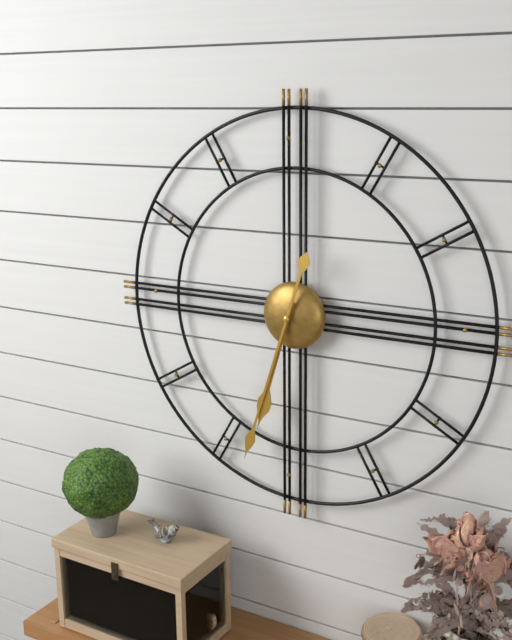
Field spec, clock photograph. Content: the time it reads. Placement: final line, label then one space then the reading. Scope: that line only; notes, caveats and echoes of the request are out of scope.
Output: 6:33
